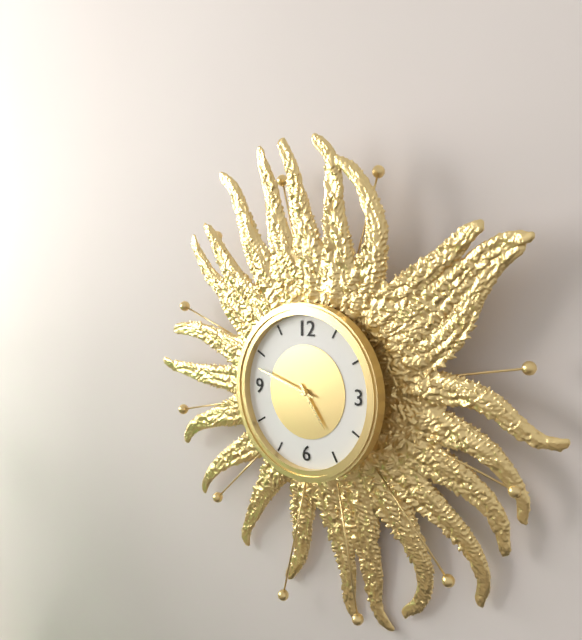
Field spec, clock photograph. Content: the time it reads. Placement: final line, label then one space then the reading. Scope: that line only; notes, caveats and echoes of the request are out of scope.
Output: 4:48
